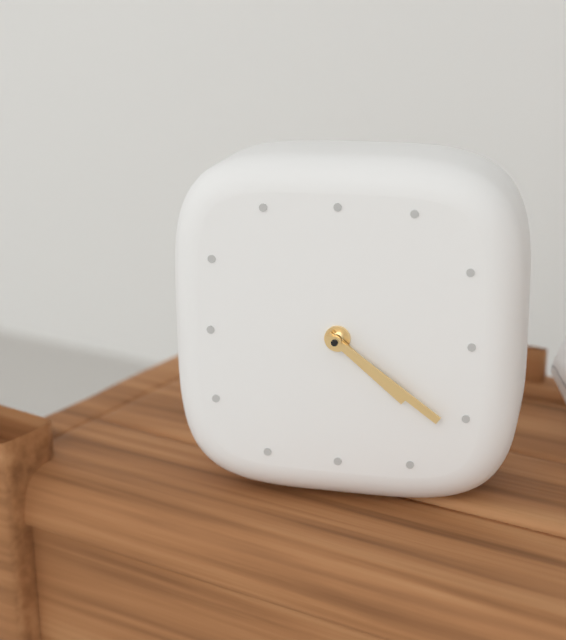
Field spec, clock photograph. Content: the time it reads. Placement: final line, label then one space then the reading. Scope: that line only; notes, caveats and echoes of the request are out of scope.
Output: 4:21
